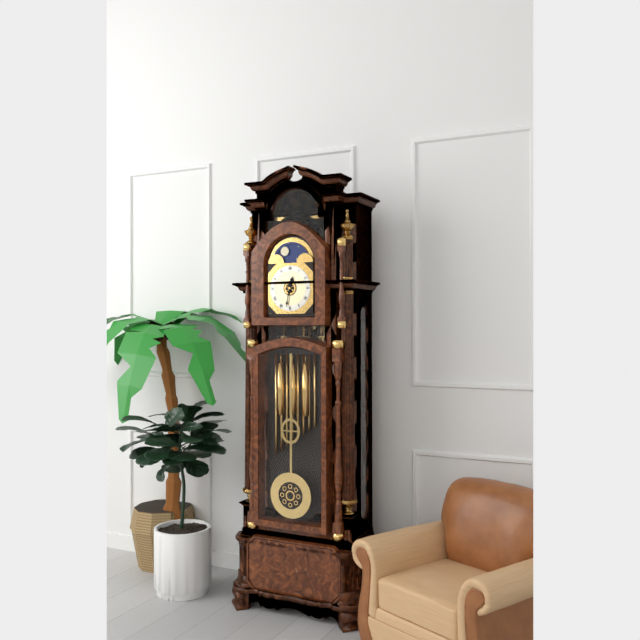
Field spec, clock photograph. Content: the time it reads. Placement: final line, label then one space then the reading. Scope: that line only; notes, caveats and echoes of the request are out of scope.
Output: 12:32
